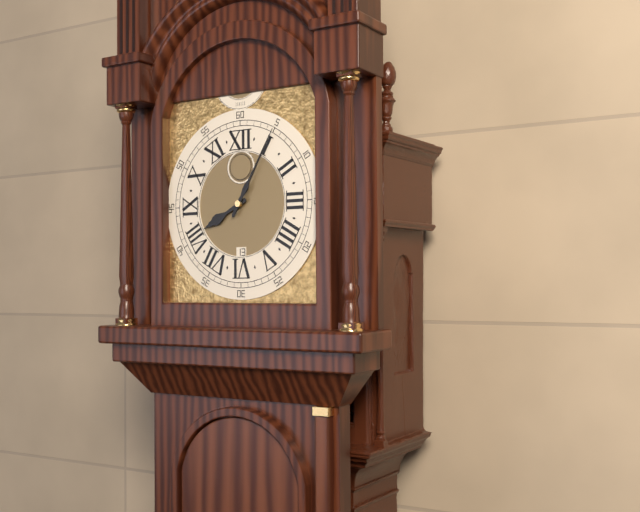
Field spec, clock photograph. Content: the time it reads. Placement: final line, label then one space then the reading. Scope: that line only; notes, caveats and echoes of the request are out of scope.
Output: 8:05
